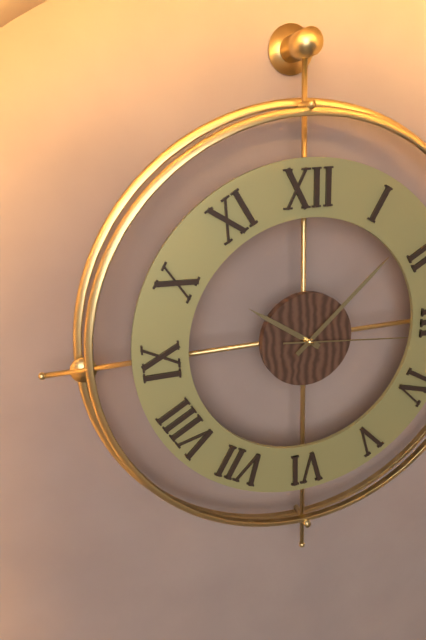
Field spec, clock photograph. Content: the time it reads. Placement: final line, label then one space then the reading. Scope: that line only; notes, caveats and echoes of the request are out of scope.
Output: 10:08:16
